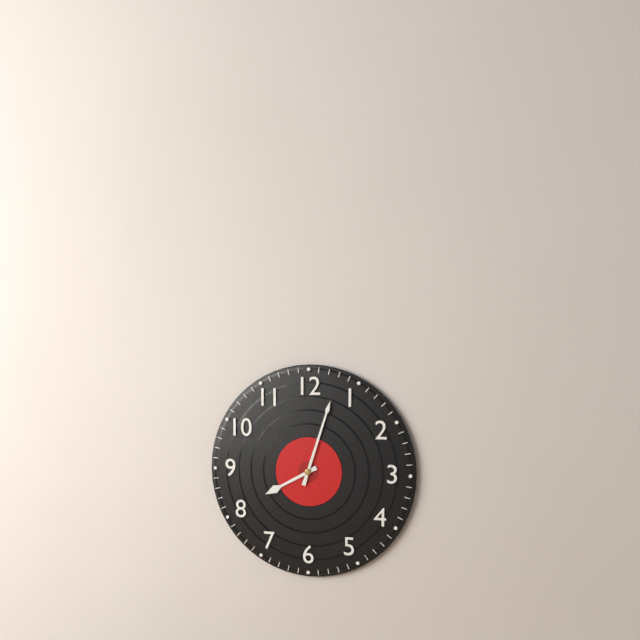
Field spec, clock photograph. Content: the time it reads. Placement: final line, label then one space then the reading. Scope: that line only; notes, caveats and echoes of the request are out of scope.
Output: 8:03
